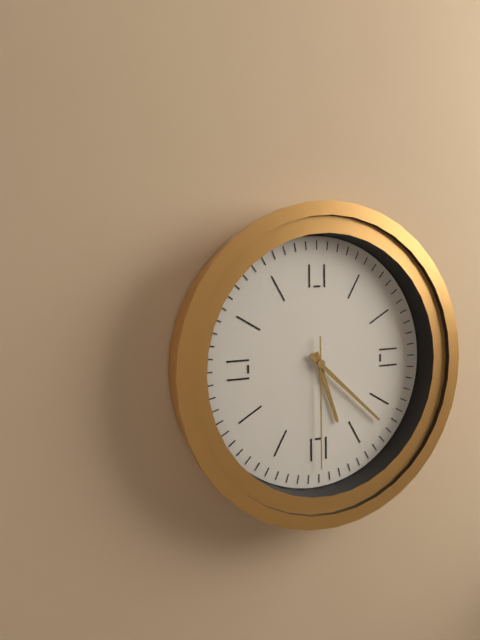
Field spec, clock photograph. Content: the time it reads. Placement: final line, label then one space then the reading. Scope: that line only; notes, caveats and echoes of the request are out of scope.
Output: 5:22:30
